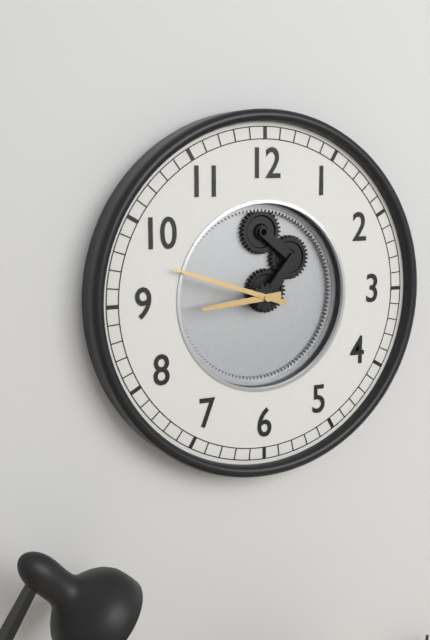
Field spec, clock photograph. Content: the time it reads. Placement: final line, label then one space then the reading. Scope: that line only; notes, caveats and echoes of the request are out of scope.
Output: 8:48
